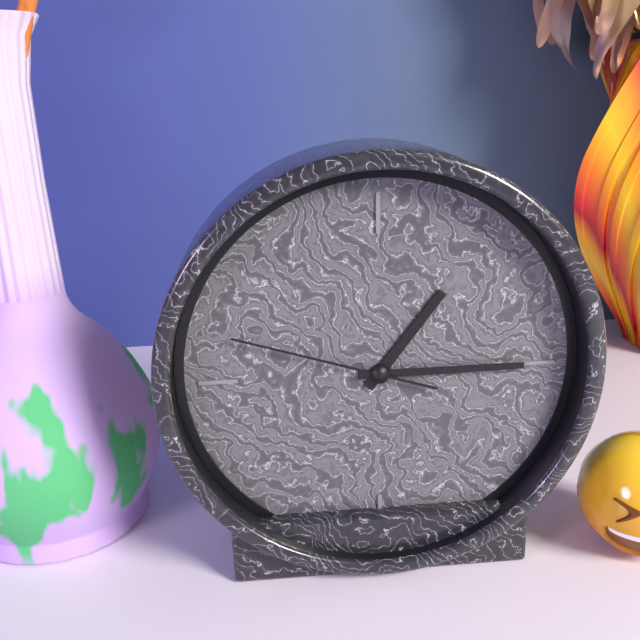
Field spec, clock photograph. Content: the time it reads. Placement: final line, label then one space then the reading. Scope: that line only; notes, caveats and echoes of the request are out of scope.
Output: 1:15:48
